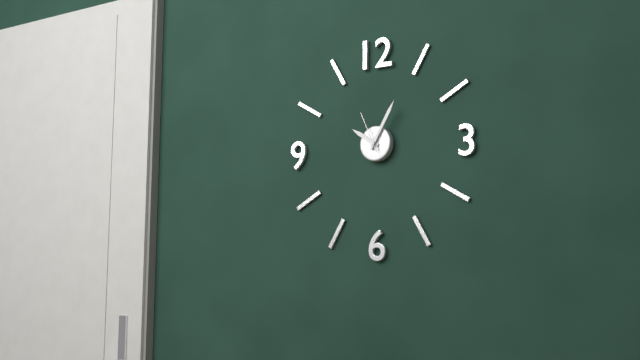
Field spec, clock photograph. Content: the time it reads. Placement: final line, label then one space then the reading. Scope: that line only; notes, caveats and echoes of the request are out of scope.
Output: 10:05
